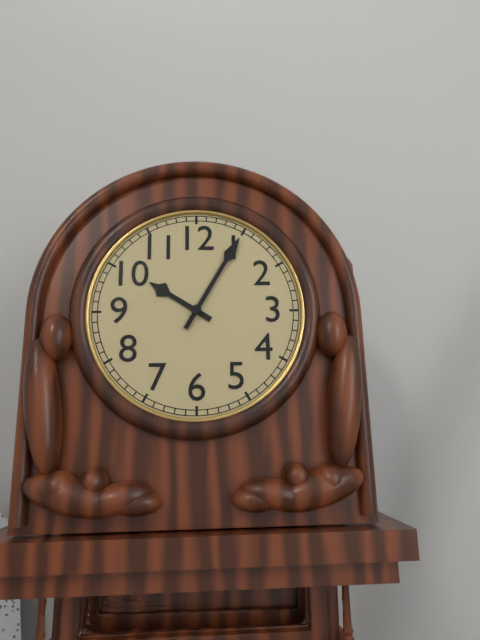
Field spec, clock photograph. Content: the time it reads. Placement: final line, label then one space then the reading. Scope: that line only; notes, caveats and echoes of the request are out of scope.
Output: 10:05
